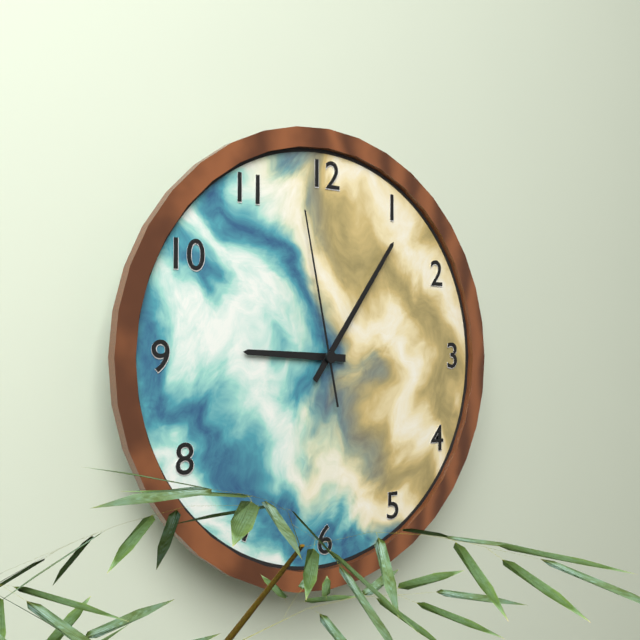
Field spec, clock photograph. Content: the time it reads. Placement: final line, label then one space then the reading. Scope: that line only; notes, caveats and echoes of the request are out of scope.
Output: 9:06:58
